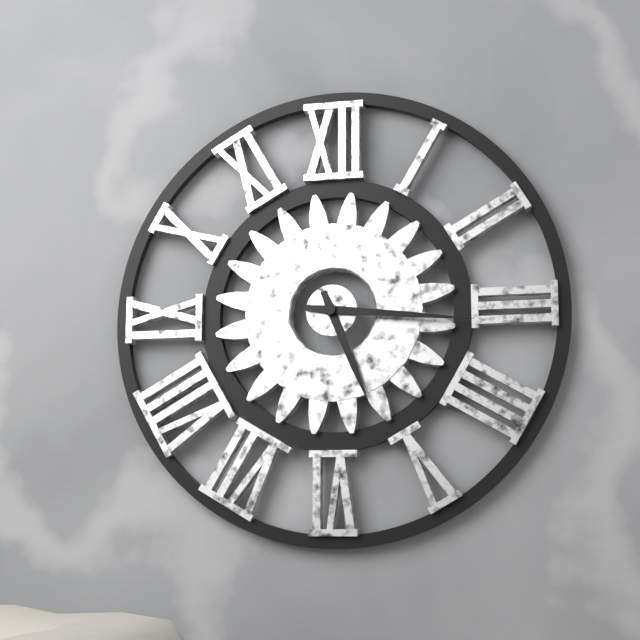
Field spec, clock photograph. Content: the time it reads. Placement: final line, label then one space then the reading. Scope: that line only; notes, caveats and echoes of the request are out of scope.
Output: 5:16
